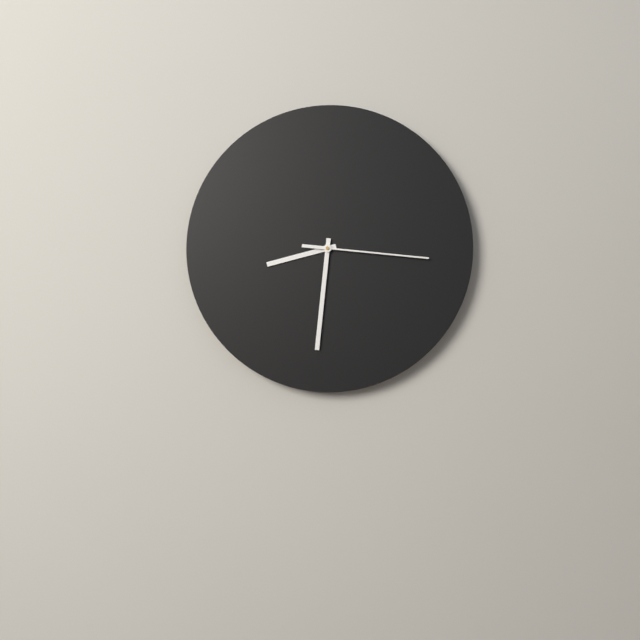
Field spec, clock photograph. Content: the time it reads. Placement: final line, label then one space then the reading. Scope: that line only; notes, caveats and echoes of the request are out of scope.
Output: 8:31:16
